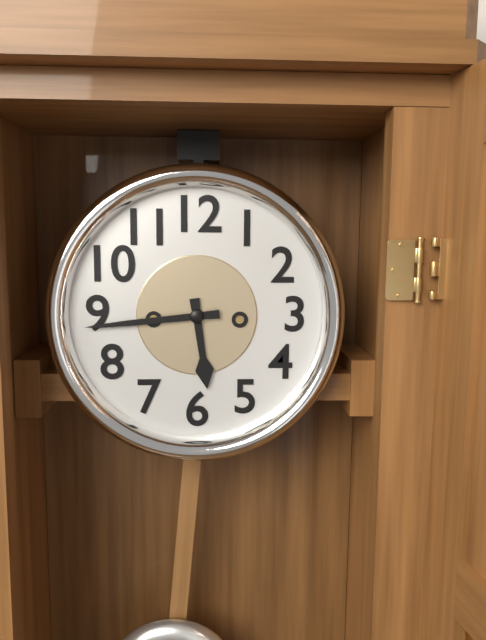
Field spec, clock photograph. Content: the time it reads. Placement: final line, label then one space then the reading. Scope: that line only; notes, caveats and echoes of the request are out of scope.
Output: 5:44
